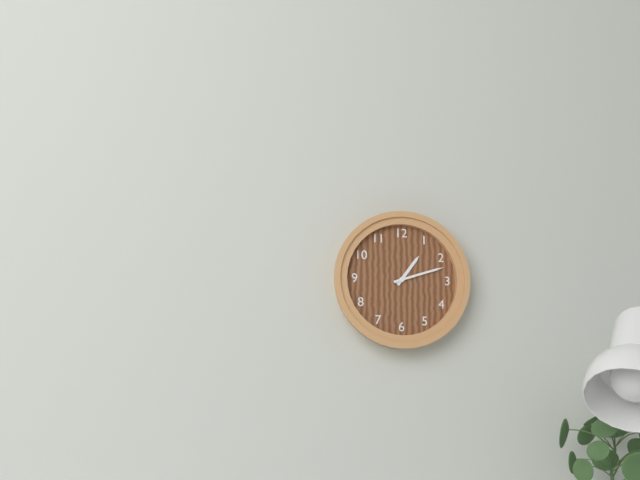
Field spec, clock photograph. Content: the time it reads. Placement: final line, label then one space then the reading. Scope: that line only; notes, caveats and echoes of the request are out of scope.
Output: 1:12
